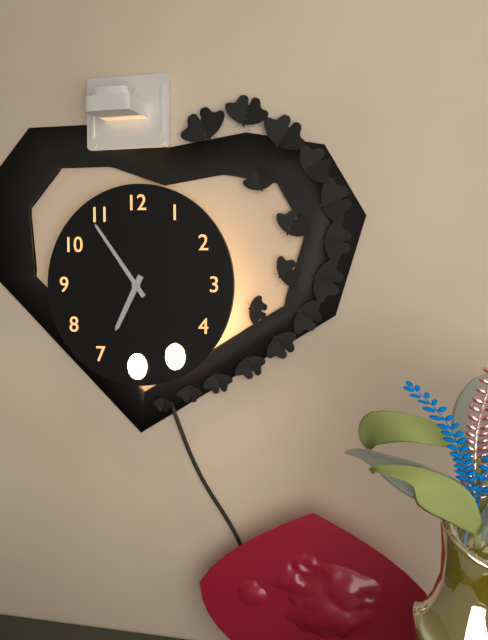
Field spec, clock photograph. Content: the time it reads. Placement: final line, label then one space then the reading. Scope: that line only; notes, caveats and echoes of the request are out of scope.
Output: 6:54
